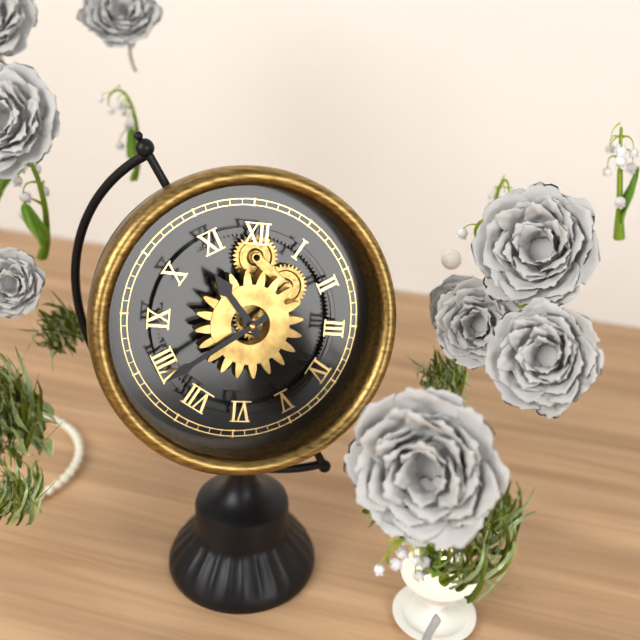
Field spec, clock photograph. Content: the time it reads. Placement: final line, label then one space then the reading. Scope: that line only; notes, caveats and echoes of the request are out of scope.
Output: 10:39
